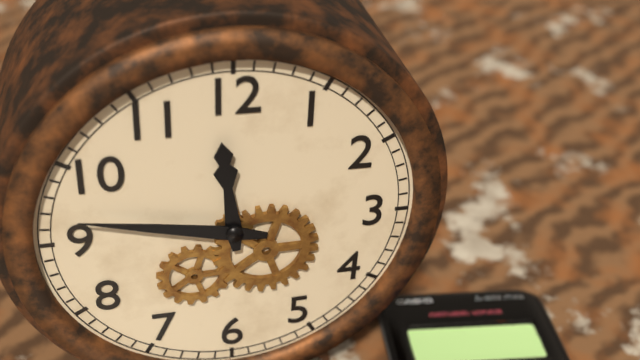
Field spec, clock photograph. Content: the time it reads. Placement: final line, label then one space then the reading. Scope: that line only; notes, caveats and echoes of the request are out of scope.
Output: 11:47
